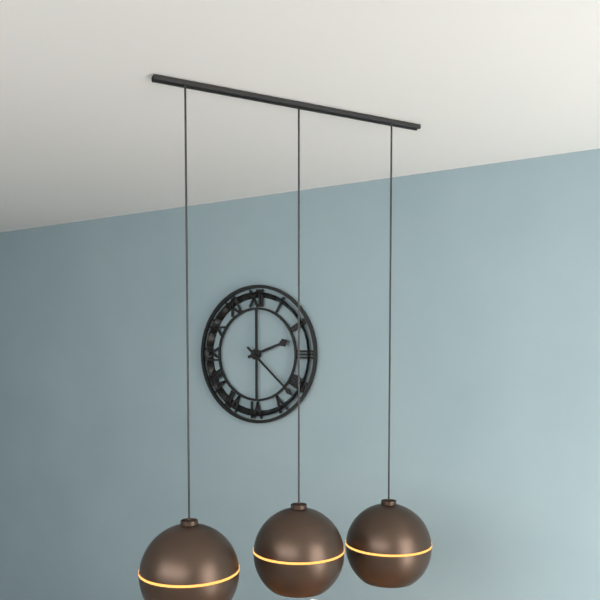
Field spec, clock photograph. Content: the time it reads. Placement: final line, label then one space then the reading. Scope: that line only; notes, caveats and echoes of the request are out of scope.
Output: 2:22
